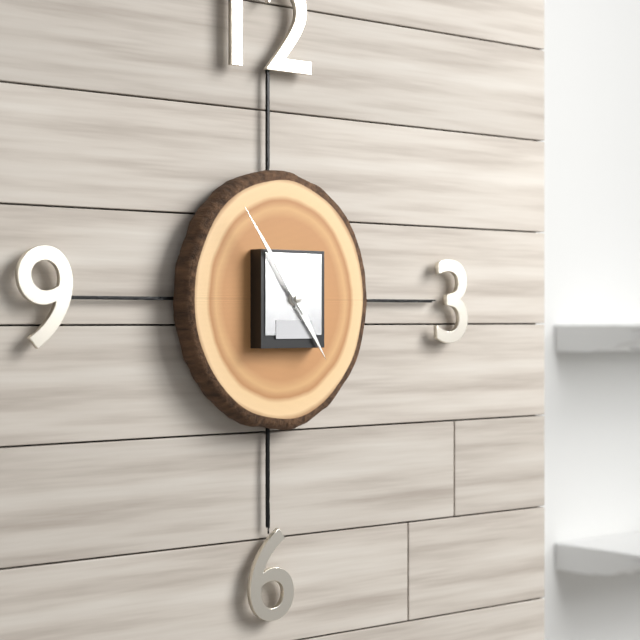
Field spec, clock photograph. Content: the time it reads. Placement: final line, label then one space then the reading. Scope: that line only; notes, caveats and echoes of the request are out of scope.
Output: 4:54
